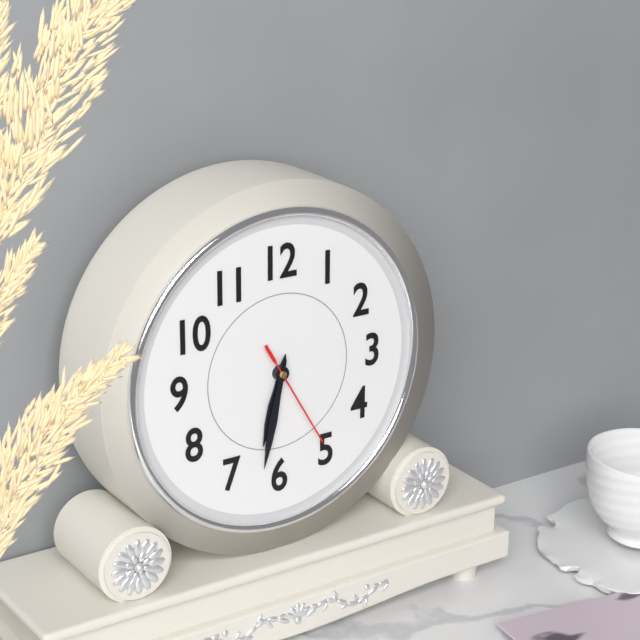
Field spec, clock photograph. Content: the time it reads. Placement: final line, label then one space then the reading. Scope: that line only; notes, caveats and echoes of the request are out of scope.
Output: 6:32:25
